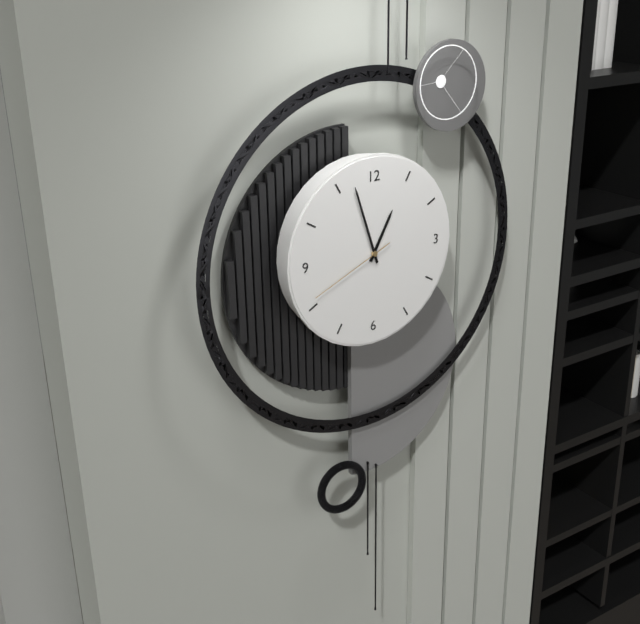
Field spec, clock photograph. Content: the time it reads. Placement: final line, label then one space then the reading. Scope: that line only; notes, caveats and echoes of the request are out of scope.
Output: 12:57:41
